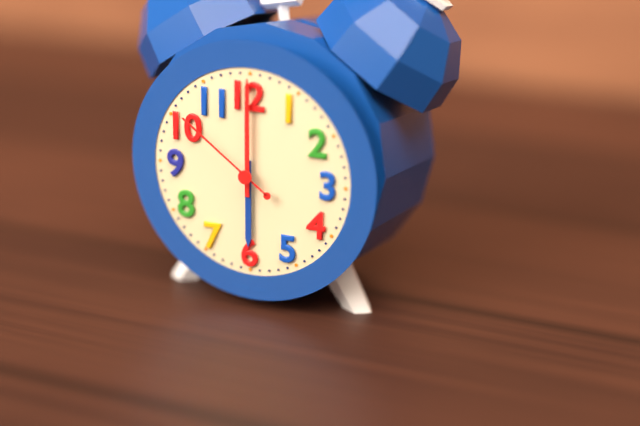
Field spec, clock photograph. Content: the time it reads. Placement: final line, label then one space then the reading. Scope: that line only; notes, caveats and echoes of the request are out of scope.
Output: 6:00:51
